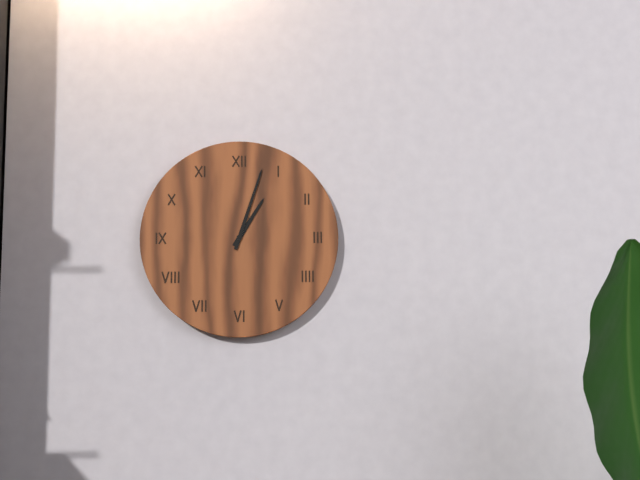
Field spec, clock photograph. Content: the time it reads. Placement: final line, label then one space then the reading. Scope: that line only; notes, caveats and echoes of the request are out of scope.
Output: 1:03
